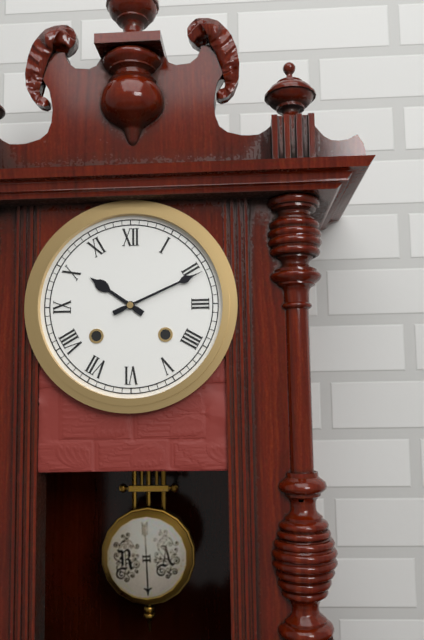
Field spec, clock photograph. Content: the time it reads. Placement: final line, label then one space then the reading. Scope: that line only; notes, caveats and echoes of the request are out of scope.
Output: 10:11
